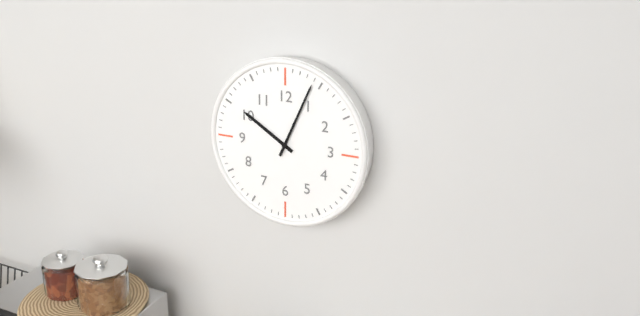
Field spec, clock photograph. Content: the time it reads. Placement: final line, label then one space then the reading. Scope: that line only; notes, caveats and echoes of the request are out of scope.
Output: 10:04
